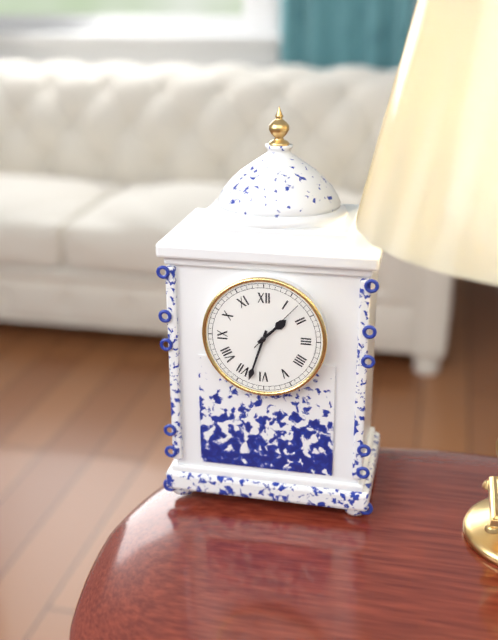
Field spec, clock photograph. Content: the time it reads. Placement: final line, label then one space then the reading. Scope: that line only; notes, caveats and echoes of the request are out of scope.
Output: 1:33:07
